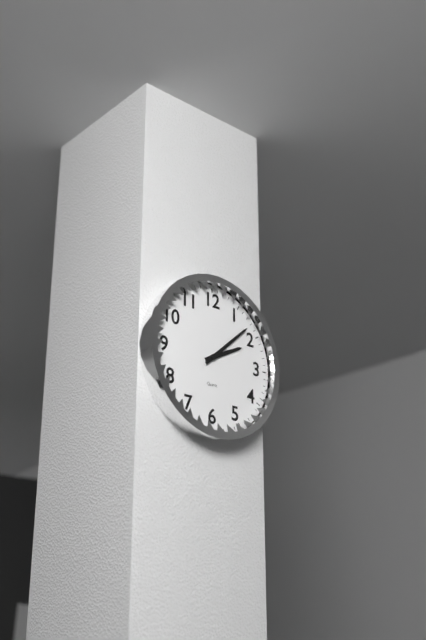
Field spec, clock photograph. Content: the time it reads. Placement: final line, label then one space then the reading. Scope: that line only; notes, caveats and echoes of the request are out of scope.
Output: 2:08
